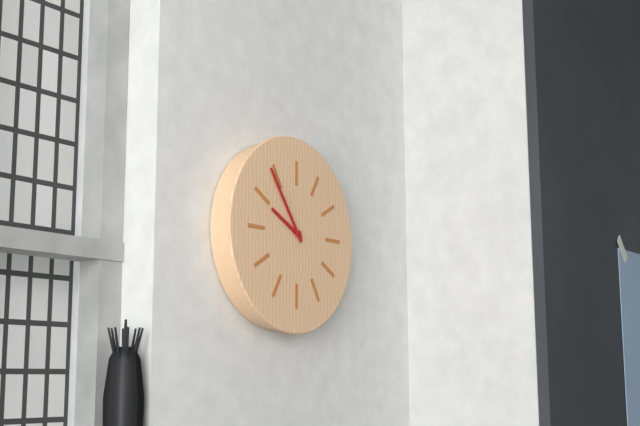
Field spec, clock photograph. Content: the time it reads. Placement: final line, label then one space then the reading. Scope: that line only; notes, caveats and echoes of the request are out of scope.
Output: 9:54
